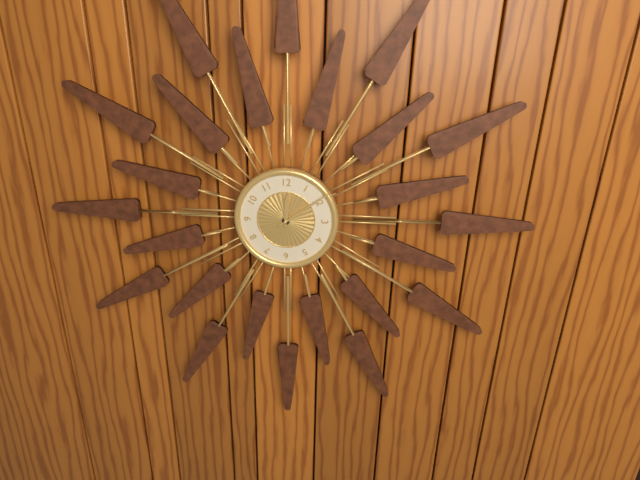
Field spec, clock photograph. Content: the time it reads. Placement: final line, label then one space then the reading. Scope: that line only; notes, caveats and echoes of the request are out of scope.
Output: 12:09
